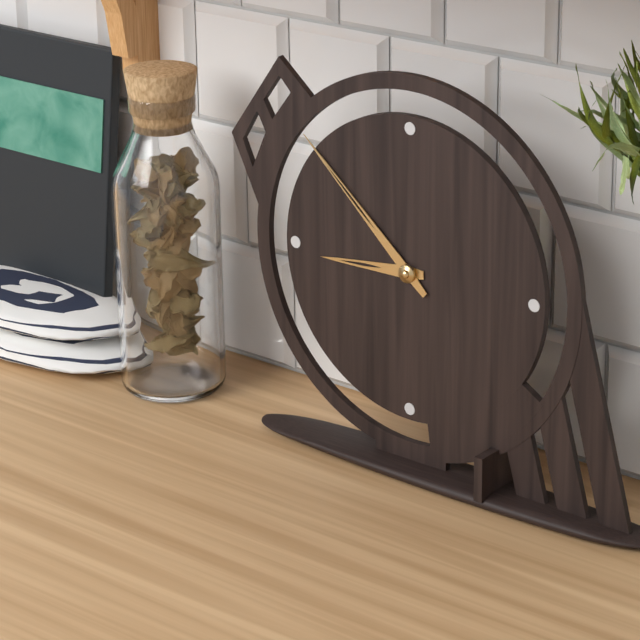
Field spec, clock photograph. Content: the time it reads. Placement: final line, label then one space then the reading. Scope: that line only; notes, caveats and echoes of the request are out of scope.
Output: 8:52
